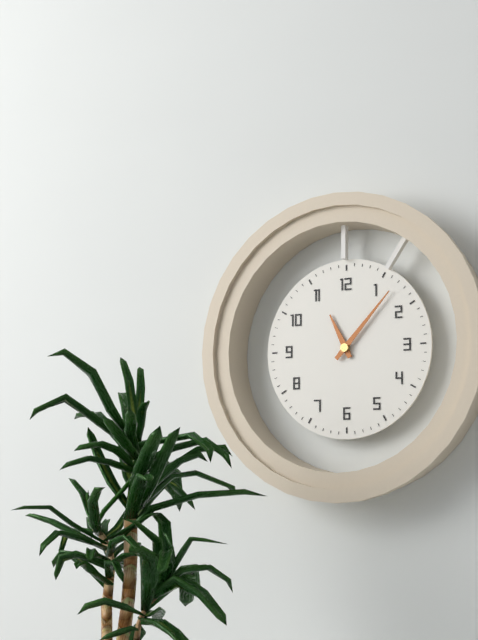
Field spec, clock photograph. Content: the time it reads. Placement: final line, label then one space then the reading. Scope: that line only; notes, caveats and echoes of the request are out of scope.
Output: 11:07
